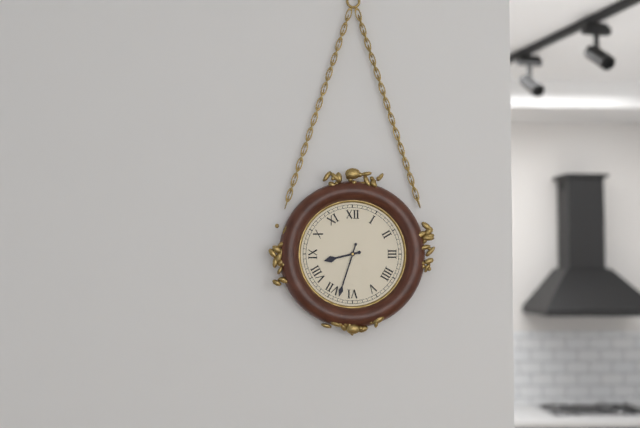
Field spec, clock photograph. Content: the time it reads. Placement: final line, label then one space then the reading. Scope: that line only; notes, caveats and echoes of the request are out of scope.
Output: 8:33
